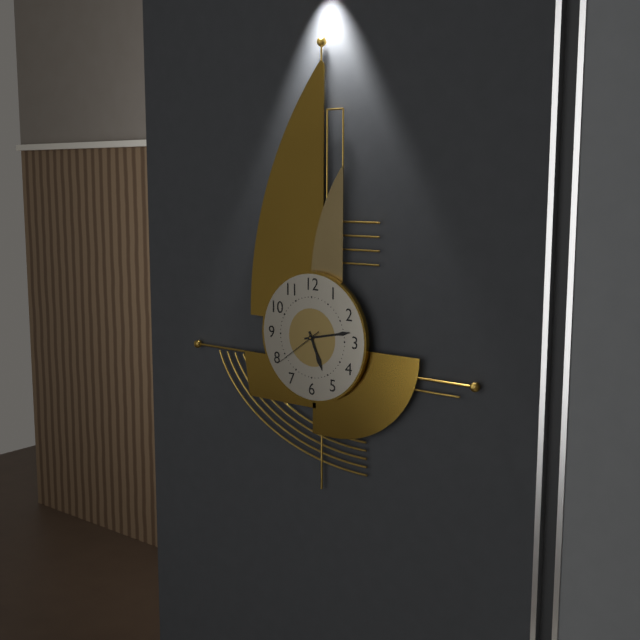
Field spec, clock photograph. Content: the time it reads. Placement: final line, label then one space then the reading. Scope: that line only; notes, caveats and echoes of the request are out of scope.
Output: 5:13
